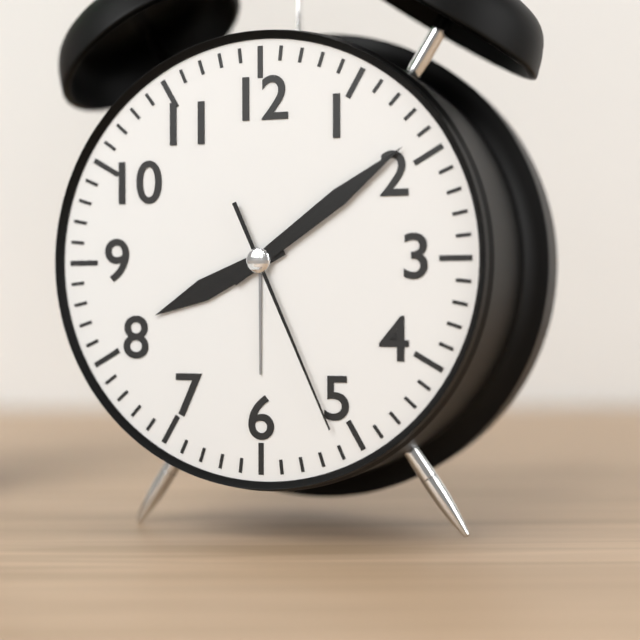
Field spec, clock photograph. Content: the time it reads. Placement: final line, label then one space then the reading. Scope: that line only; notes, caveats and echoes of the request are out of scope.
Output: 8:09:26
